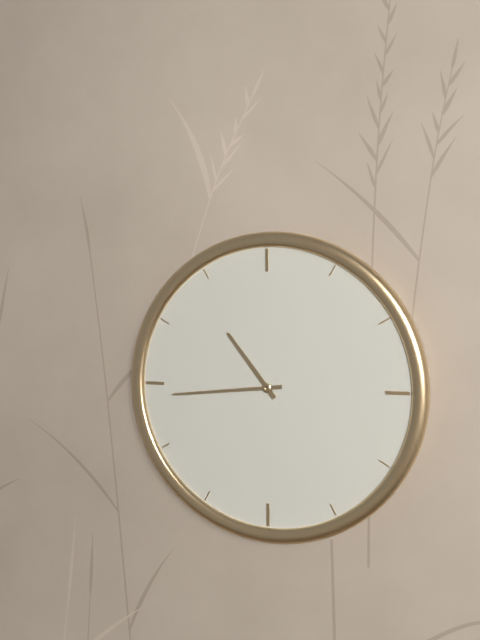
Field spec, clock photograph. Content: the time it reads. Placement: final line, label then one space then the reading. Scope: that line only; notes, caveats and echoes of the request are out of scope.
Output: 10:44
